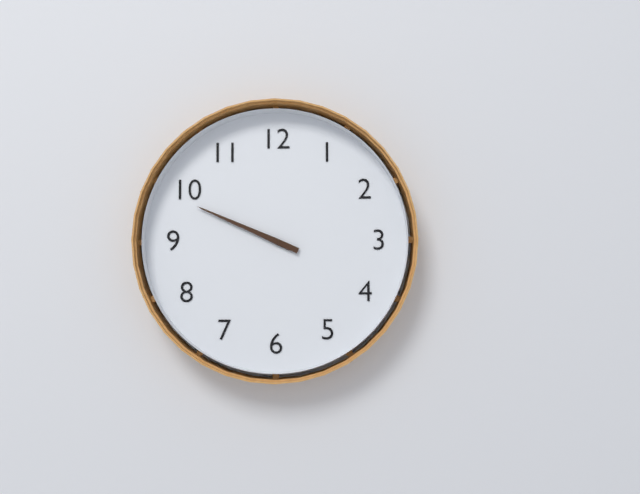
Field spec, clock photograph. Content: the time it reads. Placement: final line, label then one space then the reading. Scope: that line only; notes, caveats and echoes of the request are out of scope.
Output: 9:49
